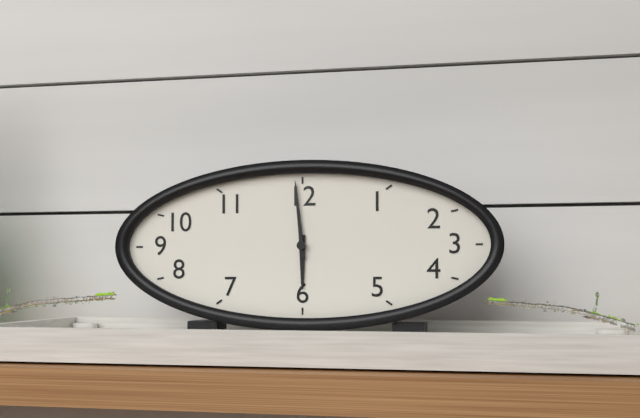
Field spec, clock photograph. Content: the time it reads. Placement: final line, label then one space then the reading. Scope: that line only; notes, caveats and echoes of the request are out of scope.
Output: 5:59
